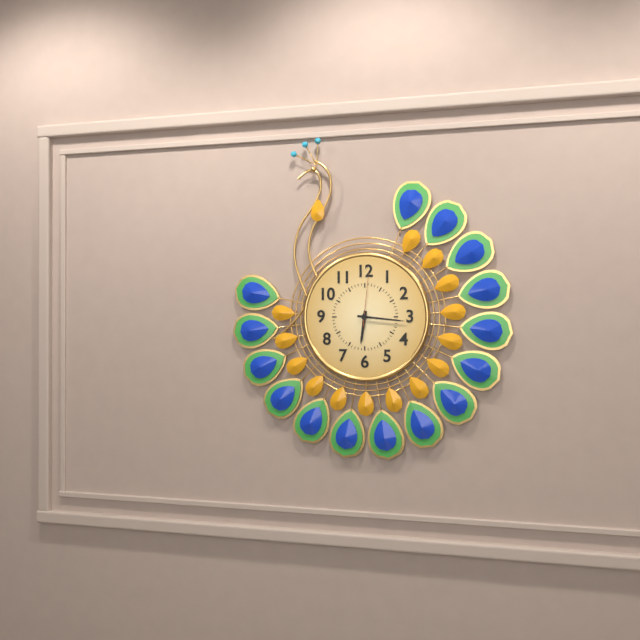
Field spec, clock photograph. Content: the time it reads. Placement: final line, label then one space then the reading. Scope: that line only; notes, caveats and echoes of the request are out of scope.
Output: 6:16:01
